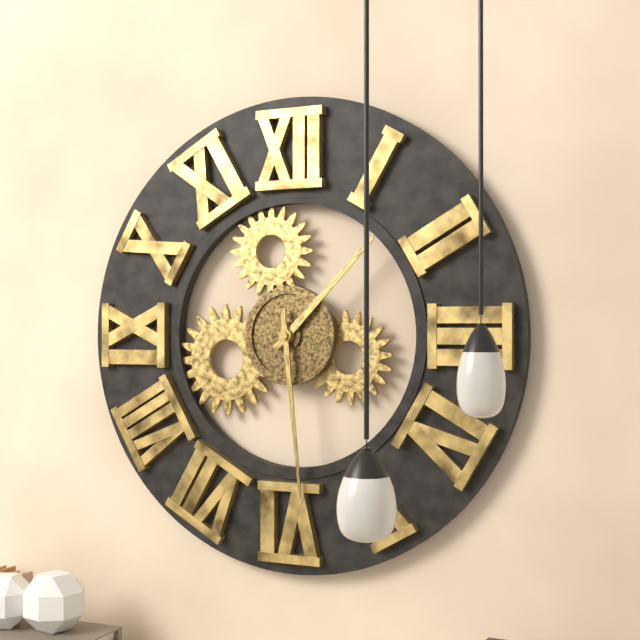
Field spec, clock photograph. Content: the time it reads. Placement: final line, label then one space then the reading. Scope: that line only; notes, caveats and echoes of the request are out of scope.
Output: 1:29
